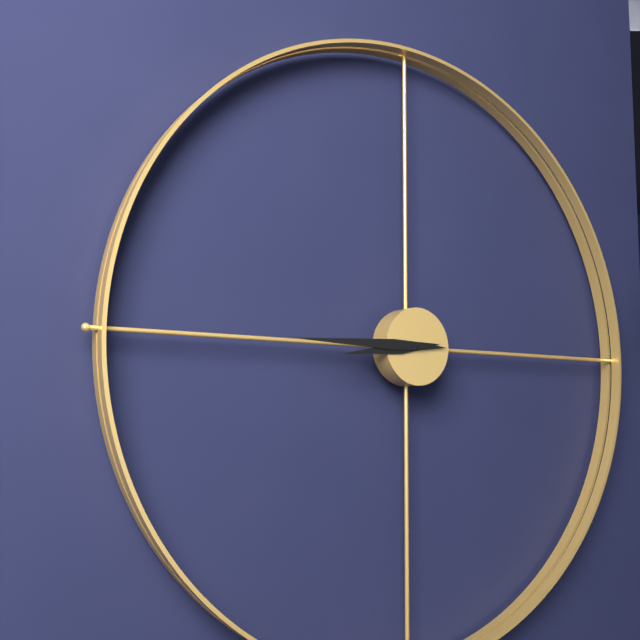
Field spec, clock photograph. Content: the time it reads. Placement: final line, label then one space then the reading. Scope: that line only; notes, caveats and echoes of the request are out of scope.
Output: 8:45
